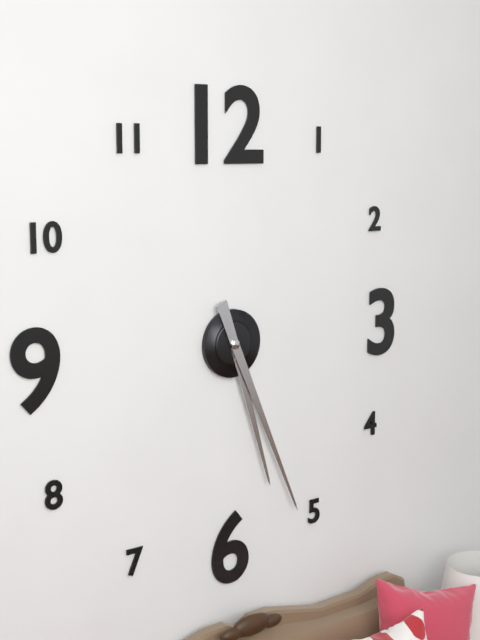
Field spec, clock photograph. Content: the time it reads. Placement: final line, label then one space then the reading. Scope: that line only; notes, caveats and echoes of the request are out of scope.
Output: 5:26
